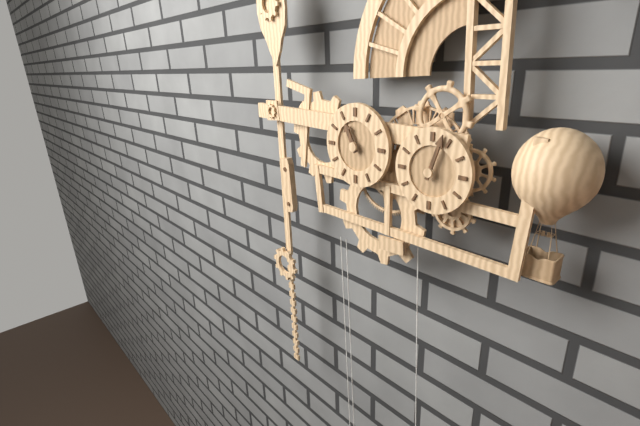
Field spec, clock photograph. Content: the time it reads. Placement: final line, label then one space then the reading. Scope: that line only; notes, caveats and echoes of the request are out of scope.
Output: 11:03
